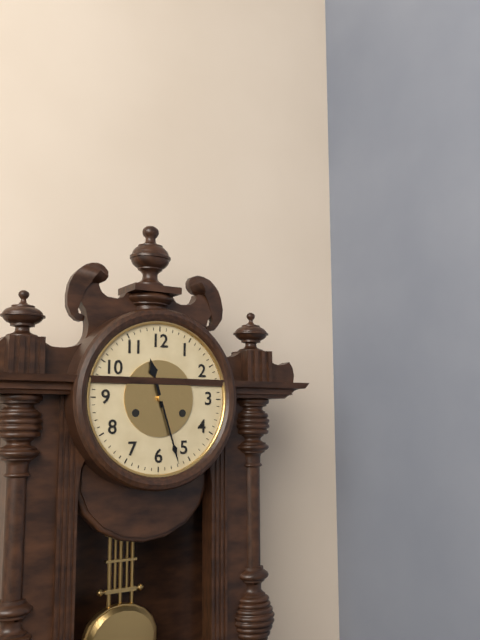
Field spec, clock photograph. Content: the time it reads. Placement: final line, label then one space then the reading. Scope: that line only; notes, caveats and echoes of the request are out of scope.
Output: 11:27
